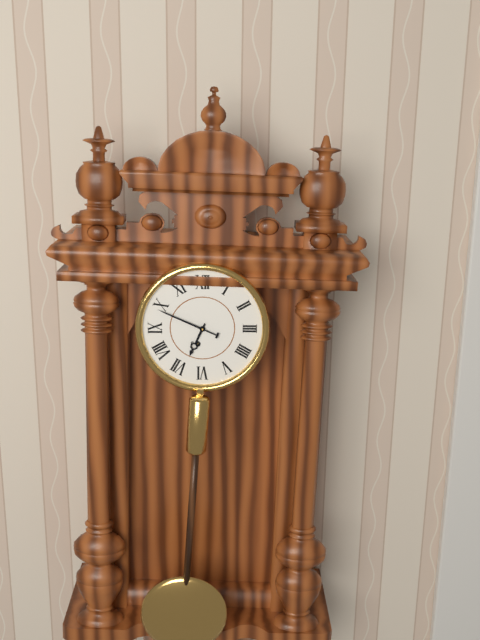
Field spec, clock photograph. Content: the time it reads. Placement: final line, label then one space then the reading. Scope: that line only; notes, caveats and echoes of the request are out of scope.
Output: 6:49
